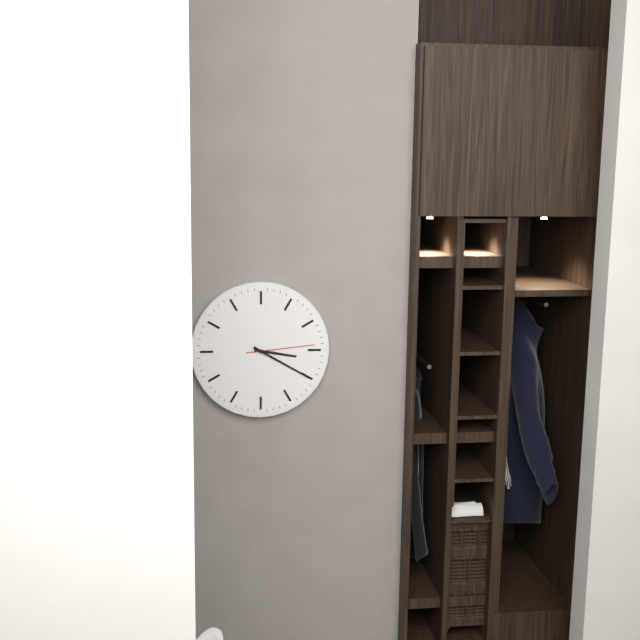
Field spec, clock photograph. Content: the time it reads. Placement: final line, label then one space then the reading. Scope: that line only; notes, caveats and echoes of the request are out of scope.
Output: 3:20:14
